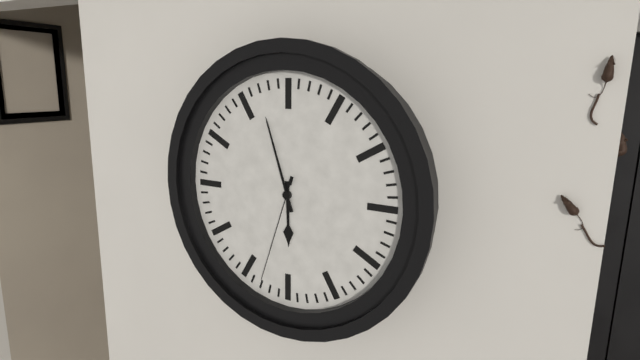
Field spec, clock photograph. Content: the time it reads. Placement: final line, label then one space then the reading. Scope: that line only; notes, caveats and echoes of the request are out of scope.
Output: 5:57:33
